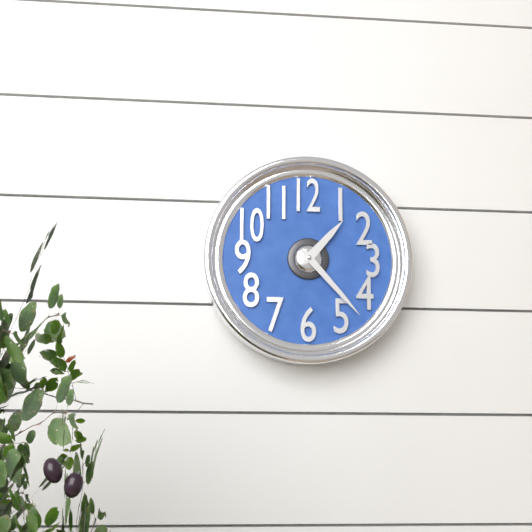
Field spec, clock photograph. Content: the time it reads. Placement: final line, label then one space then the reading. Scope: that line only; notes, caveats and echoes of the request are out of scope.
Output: 1:23
